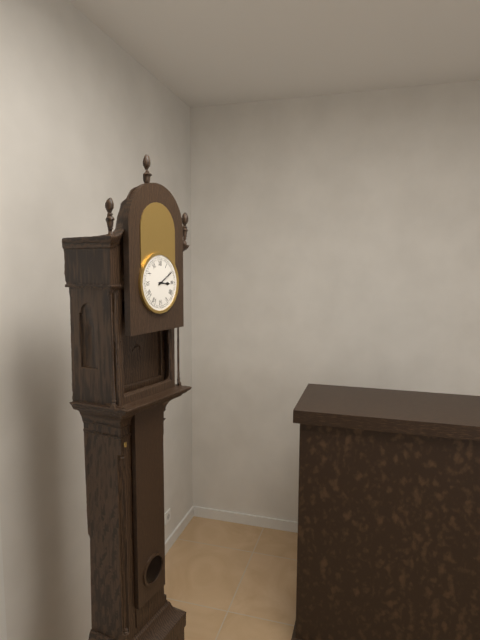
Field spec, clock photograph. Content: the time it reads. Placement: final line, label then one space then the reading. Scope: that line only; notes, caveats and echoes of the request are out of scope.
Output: 3:10
